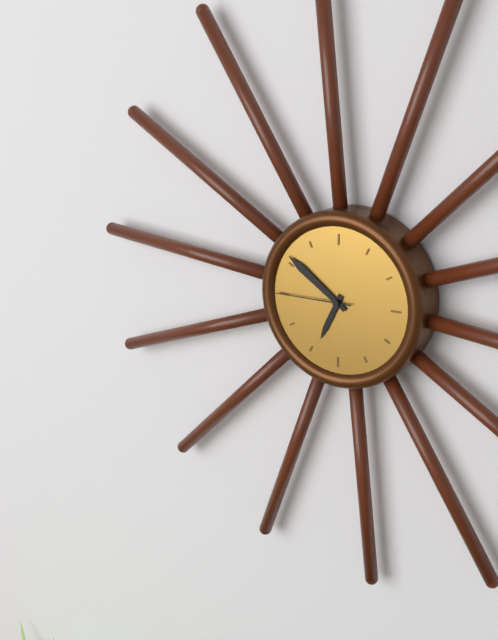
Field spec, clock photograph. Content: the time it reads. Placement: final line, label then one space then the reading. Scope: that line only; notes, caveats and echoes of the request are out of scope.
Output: 6:51:45
